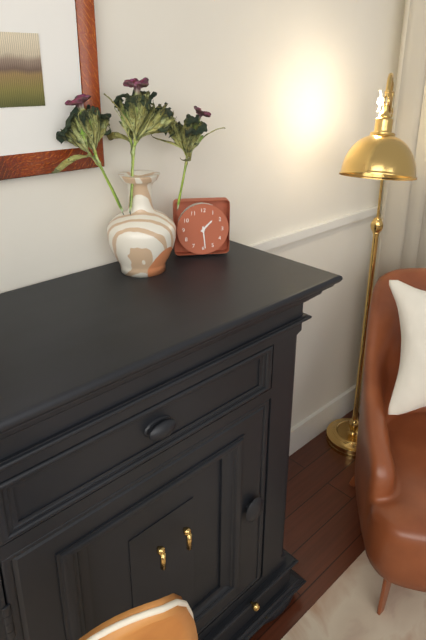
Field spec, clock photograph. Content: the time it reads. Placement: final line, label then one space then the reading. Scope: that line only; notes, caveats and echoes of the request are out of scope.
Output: 1:29
